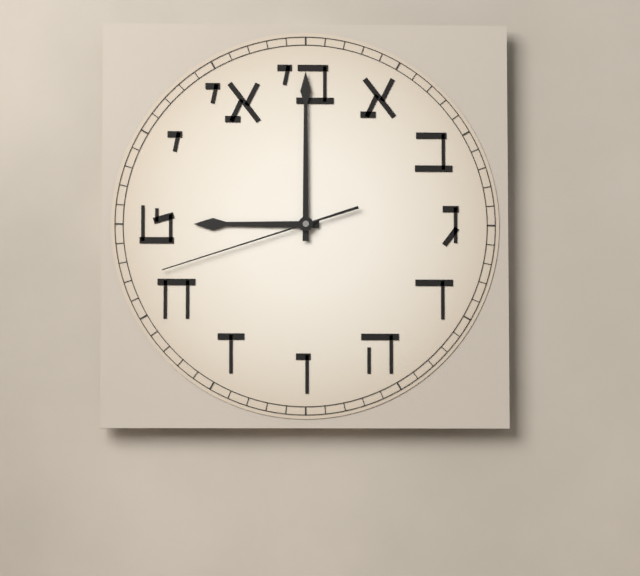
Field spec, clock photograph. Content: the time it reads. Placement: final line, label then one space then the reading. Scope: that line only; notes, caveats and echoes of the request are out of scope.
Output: 9:00:42
